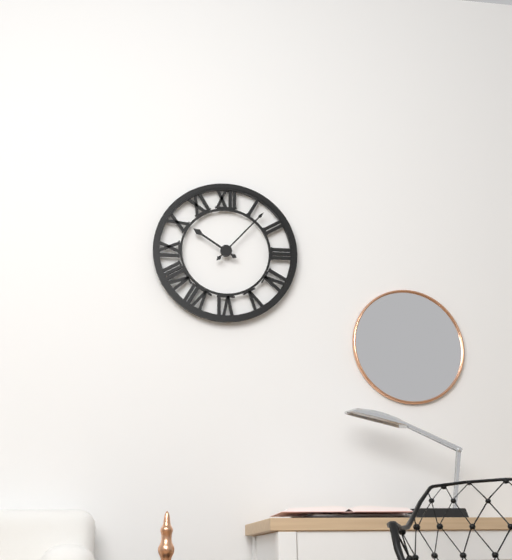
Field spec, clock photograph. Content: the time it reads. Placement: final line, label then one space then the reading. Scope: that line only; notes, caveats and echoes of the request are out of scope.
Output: 10:07
